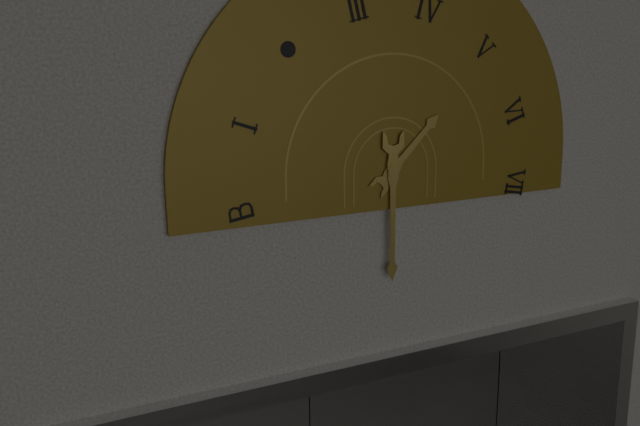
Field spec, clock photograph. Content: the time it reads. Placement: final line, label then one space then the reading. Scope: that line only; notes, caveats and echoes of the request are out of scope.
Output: 1:30
